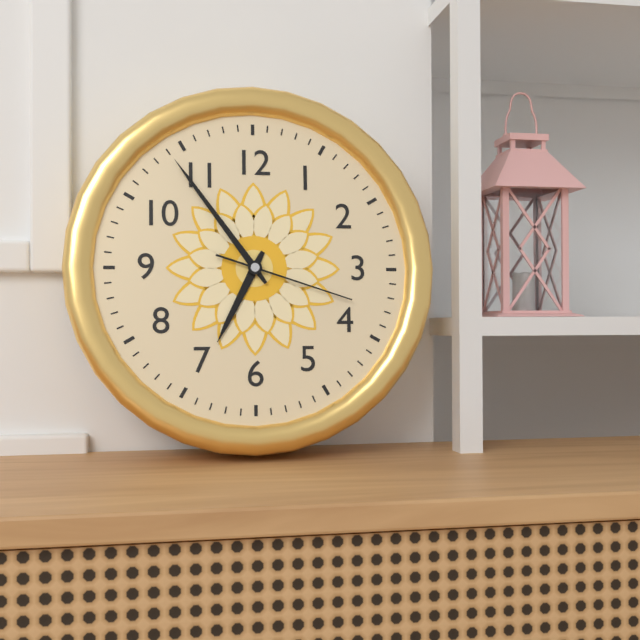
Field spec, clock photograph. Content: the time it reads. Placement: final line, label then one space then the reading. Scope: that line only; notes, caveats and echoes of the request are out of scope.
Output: 6:54:18
